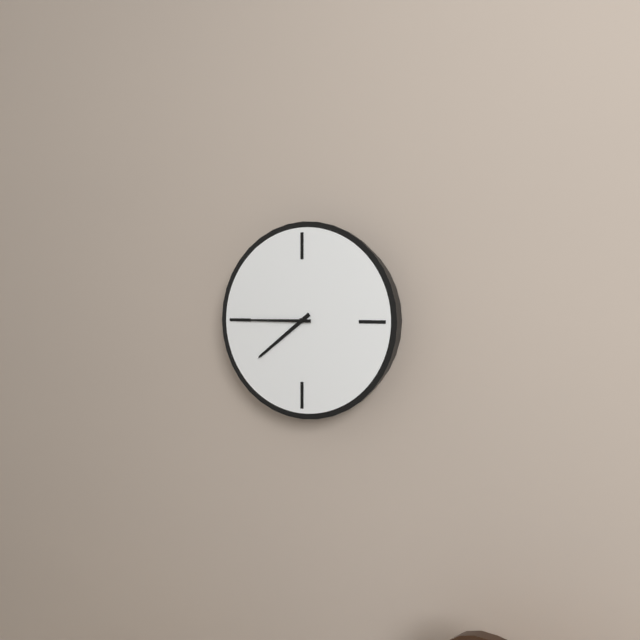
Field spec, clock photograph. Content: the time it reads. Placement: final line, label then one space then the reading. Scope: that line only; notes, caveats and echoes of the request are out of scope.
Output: 7:45
